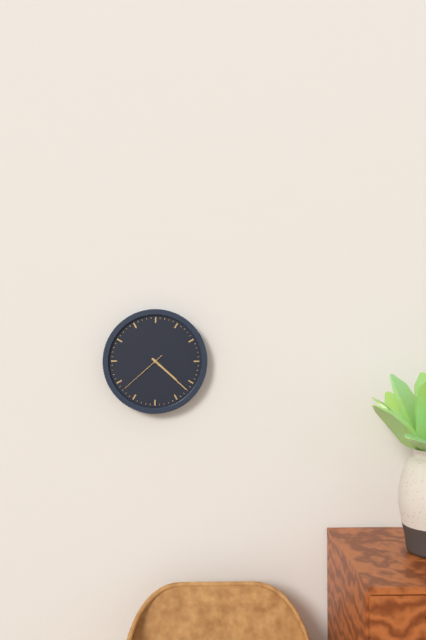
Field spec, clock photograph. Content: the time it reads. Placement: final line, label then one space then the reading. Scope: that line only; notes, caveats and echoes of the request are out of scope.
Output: 4:22:38
